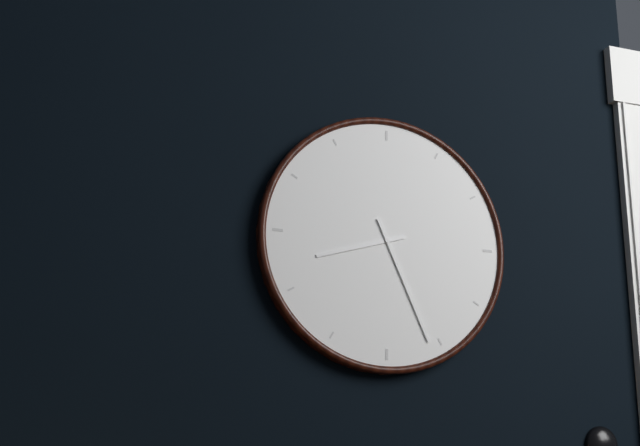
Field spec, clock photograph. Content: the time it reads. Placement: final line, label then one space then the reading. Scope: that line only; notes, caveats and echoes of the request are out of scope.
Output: 8:26
